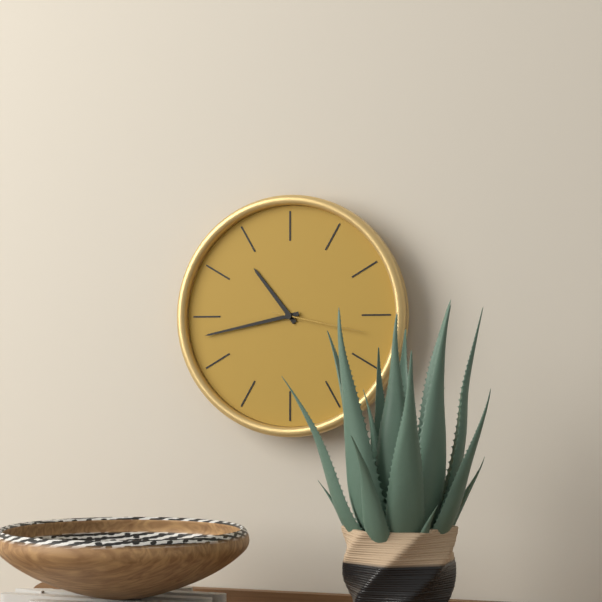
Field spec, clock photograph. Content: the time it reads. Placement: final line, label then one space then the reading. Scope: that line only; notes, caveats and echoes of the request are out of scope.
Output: 10:43:17
